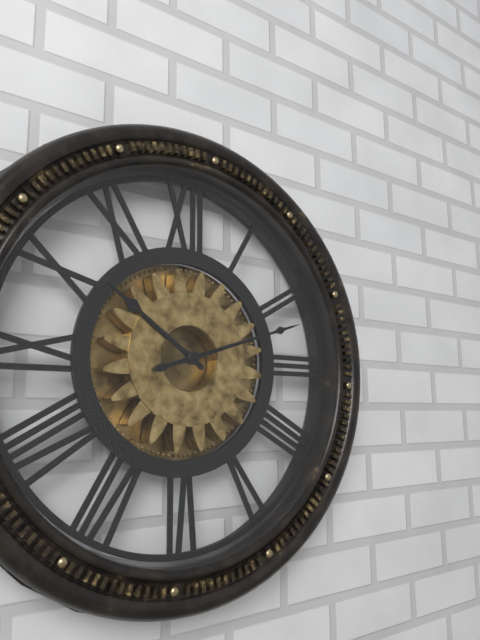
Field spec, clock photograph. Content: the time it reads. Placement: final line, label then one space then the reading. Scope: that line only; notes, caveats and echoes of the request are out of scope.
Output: 10:12
